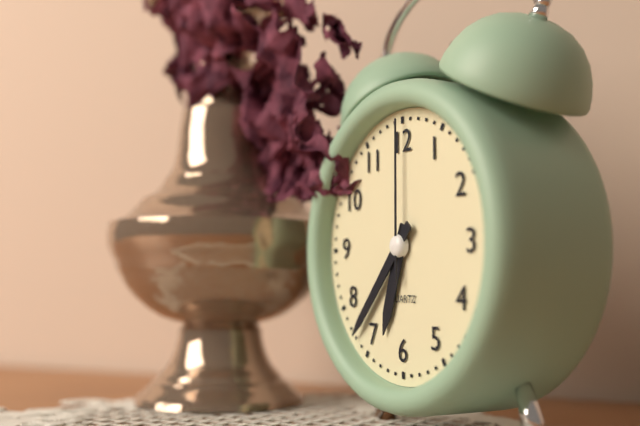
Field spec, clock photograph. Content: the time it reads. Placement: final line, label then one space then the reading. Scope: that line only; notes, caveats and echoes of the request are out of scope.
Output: 6:37:00
